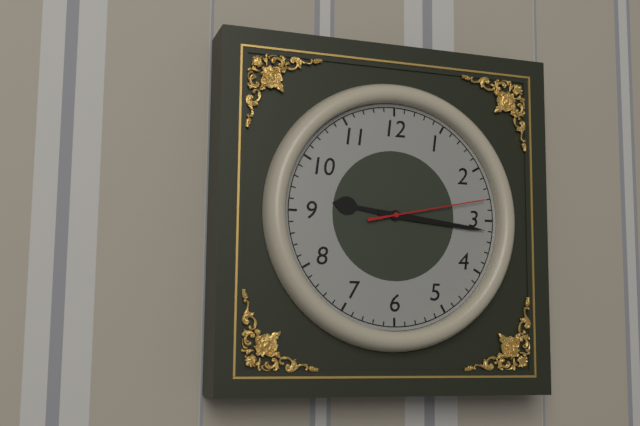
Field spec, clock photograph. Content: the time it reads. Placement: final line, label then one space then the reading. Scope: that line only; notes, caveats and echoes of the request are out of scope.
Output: 9:16:13
